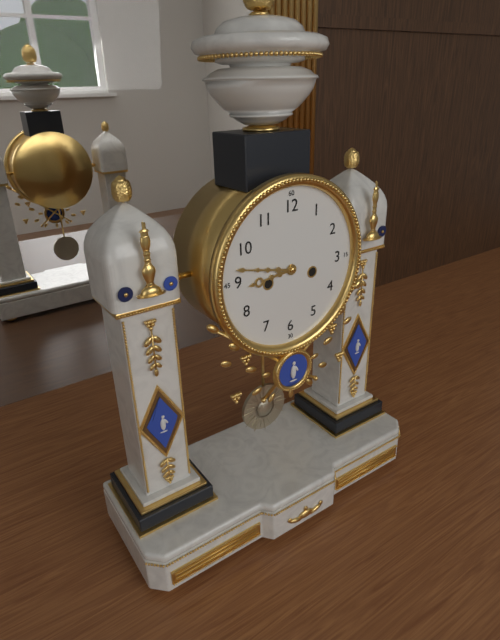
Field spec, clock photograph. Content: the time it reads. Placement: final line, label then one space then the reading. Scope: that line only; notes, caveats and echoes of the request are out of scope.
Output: 8:47
